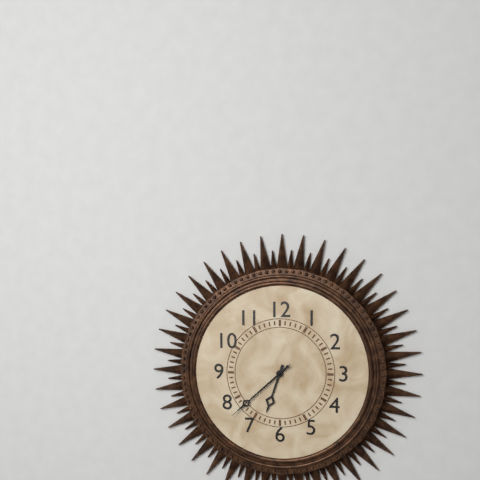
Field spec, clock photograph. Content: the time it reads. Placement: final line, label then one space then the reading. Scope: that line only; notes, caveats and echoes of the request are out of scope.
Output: 6:38:38
